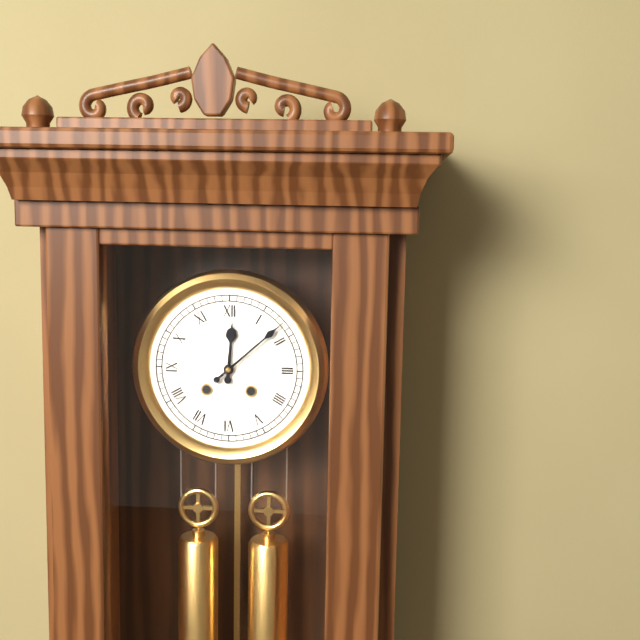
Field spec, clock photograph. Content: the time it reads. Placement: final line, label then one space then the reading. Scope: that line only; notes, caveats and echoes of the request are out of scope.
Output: 12:08
